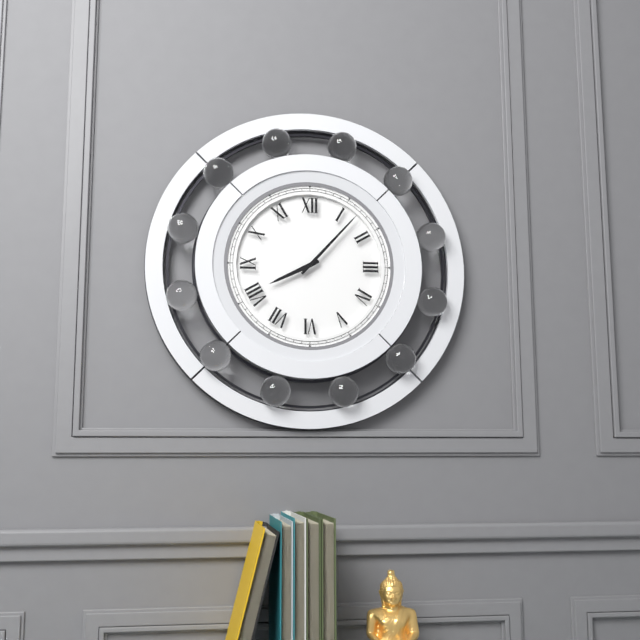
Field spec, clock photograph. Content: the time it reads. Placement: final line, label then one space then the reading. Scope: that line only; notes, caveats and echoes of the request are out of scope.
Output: 8:07
